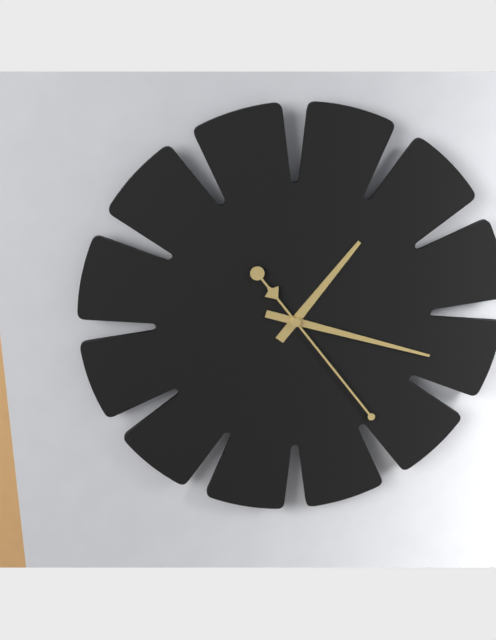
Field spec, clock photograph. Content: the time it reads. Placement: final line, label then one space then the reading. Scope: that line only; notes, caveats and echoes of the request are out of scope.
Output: 1:18:24
